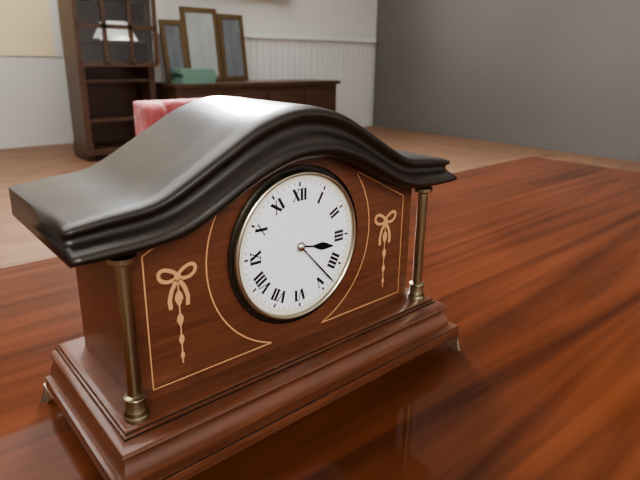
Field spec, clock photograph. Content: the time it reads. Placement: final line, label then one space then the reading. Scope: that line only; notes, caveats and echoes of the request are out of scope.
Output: 3:23
